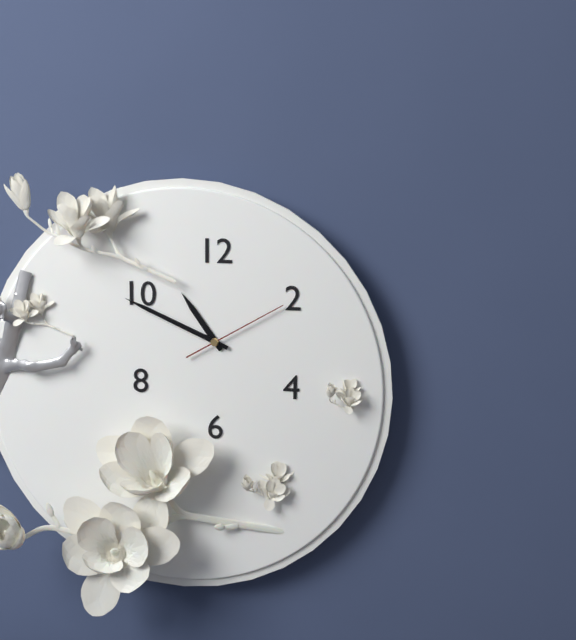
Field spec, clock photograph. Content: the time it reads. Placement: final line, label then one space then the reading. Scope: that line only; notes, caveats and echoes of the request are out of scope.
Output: 10:49:10
